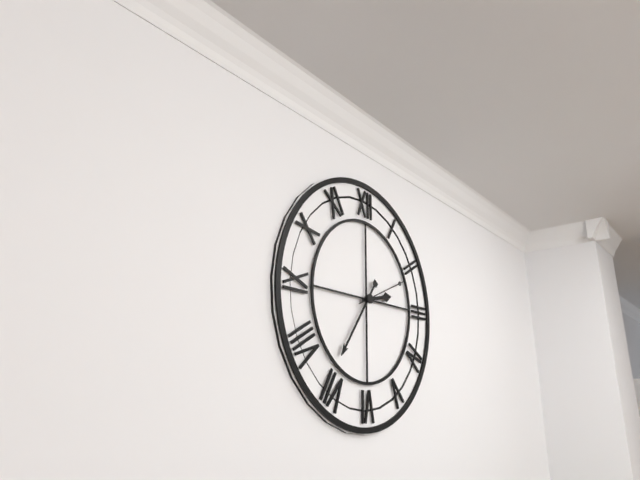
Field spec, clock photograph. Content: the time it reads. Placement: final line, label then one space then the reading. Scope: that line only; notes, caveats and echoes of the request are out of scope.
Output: 2:36:11
